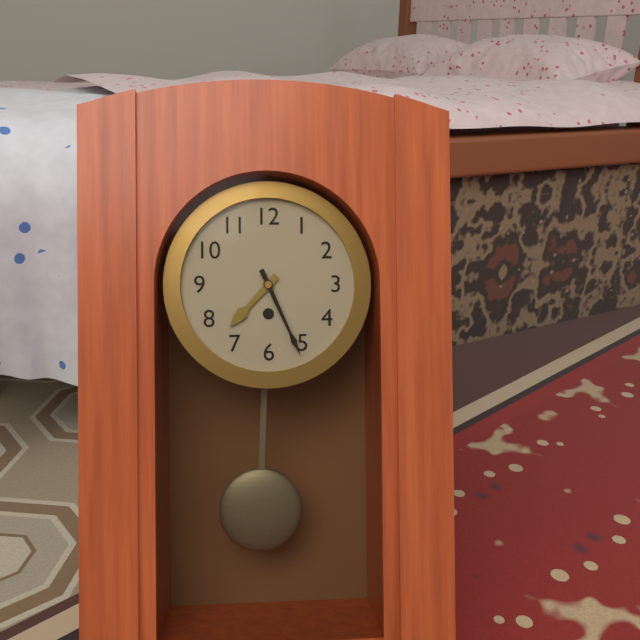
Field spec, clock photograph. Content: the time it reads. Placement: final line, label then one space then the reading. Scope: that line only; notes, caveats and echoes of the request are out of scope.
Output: 7:26
